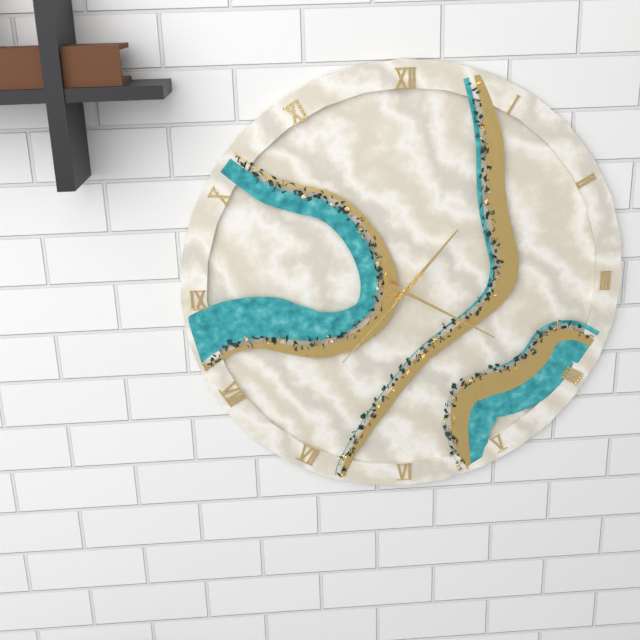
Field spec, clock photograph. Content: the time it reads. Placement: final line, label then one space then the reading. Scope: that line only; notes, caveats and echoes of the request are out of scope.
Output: 1:20:37
